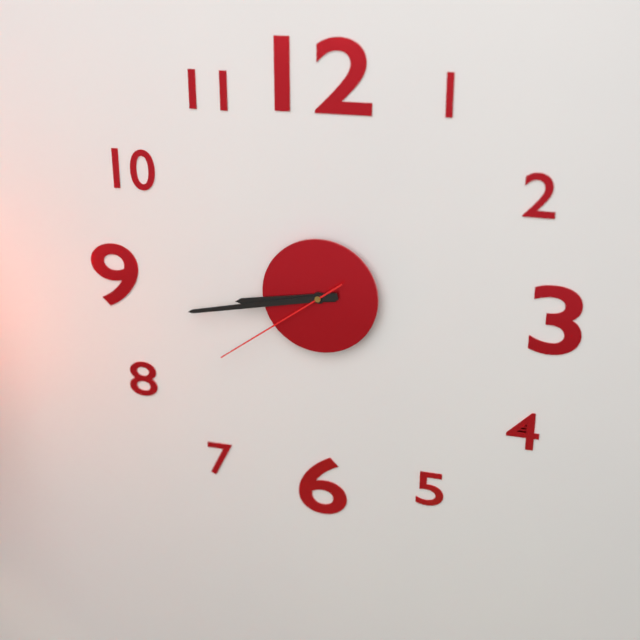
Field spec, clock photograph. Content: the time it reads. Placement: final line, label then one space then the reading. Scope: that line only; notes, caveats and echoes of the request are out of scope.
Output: 8:43:39
